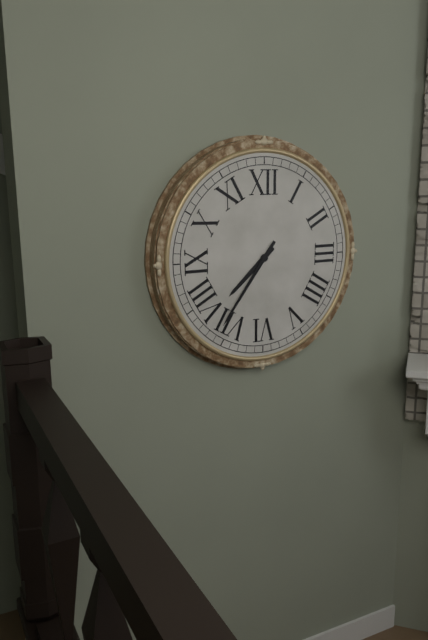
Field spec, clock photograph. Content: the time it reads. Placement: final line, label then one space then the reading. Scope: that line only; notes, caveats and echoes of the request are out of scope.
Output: 7:36
